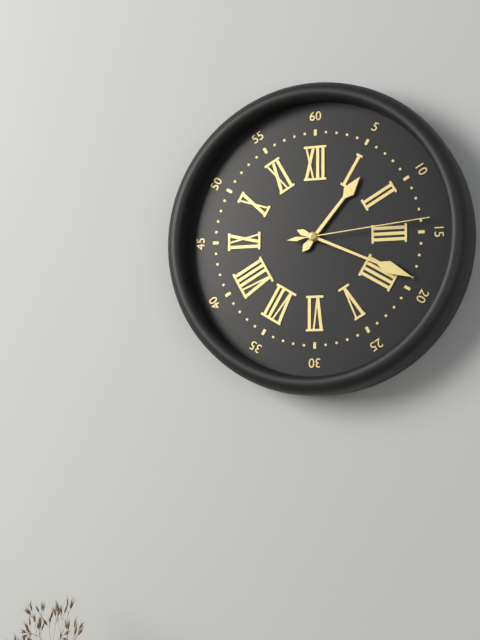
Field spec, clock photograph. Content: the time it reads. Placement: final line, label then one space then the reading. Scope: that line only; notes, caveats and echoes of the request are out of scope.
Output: 1:19:14
